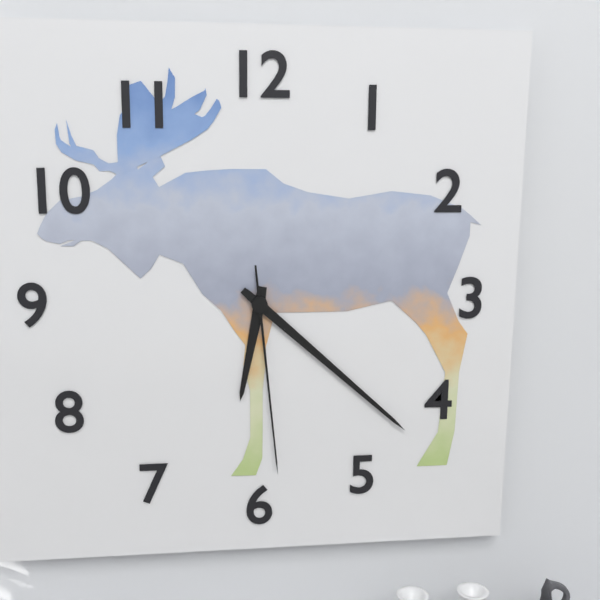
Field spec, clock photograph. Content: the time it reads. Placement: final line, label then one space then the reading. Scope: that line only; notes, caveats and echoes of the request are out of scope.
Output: 6:22:29
